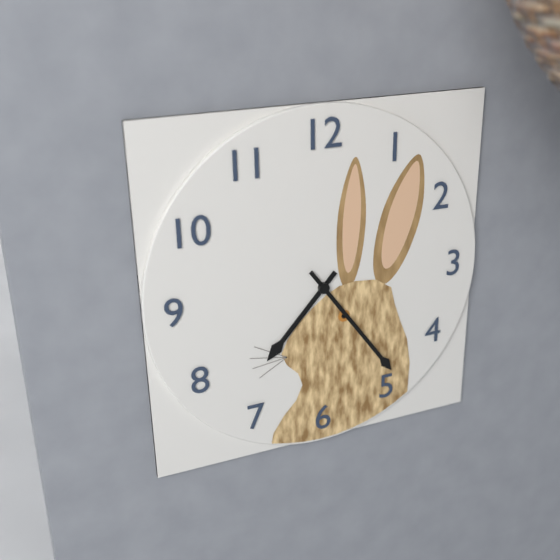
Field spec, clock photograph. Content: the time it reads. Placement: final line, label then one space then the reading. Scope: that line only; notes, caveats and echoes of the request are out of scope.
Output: 7:24
